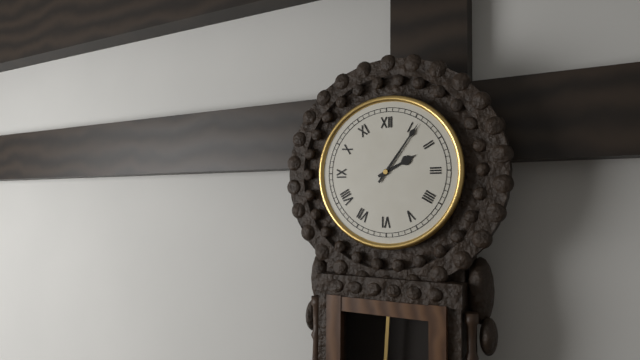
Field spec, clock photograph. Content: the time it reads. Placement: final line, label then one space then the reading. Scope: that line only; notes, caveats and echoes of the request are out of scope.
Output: 2:06
